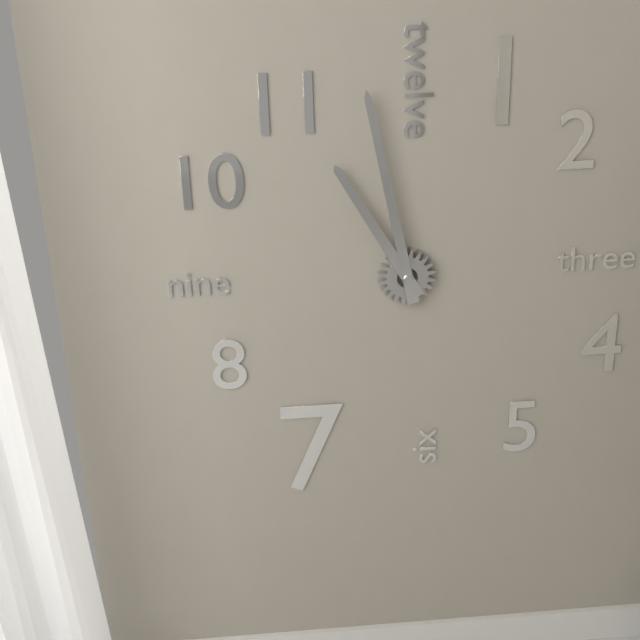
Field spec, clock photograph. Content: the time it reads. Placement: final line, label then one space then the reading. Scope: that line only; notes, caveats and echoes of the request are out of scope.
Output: 10:58
